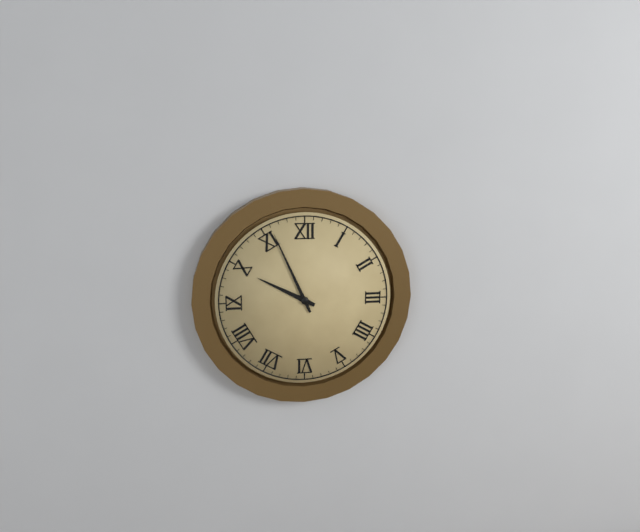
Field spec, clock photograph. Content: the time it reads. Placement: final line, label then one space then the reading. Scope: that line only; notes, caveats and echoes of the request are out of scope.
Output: 9:56
